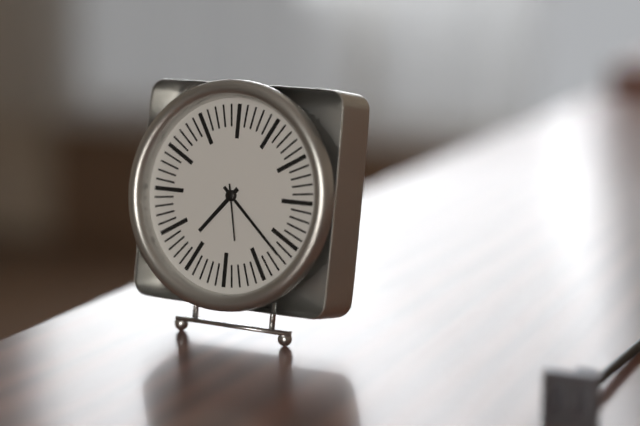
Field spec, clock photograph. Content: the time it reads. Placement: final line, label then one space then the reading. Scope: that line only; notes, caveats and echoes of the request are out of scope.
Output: 7:22:28
